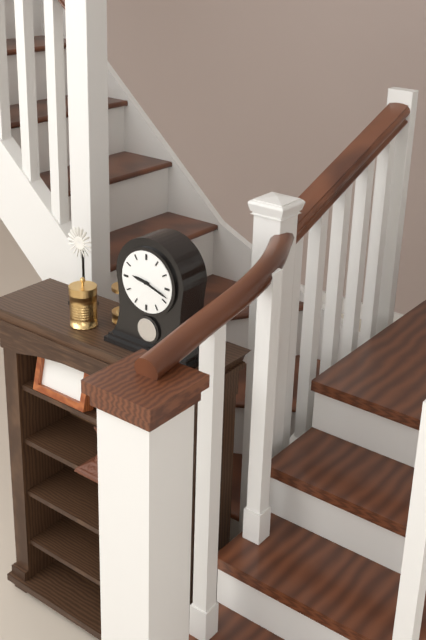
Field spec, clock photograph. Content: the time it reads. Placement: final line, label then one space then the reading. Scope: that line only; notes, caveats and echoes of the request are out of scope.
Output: 9:18
